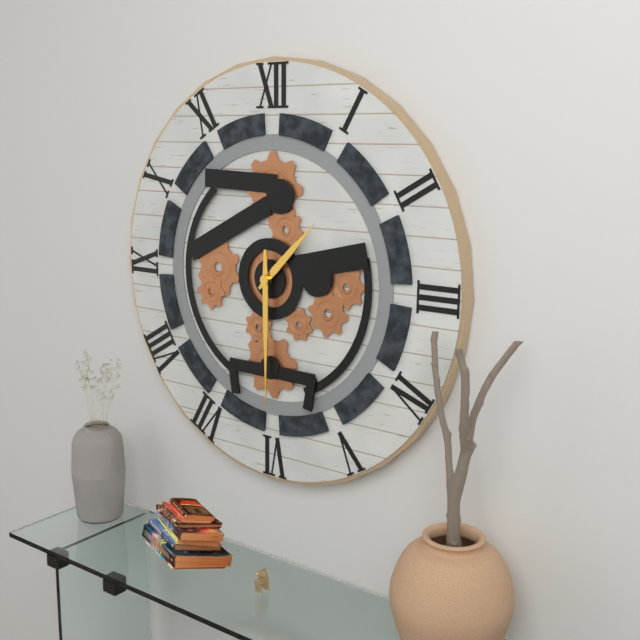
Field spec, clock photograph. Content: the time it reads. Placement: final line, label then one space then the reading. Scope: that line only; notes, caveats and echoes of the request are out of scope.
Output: 1:30
